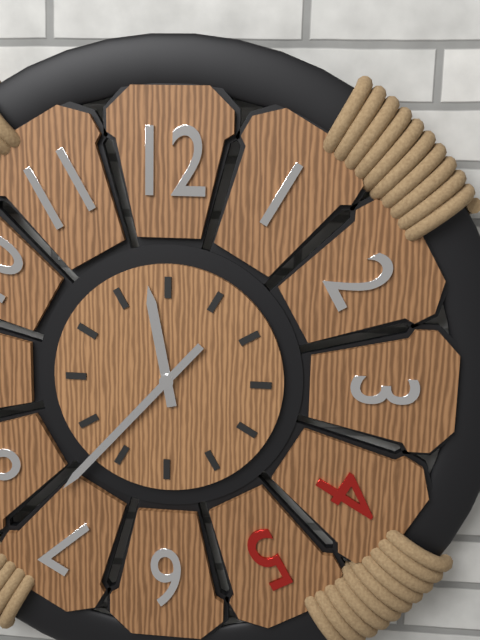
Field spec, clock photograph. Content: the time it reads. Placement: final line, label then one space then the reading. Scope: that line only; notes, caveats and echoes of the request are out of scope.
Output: 11:37
